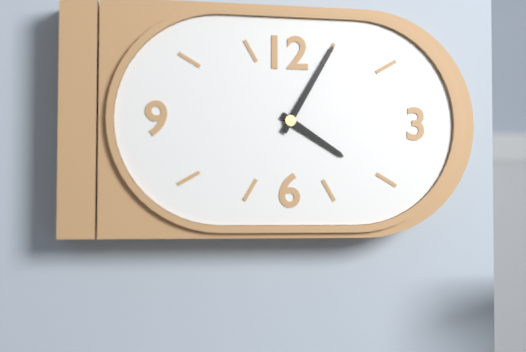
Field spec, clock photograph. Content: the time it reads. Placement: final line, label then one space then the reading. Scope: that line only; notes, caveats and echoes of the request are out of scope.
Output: 4:05
